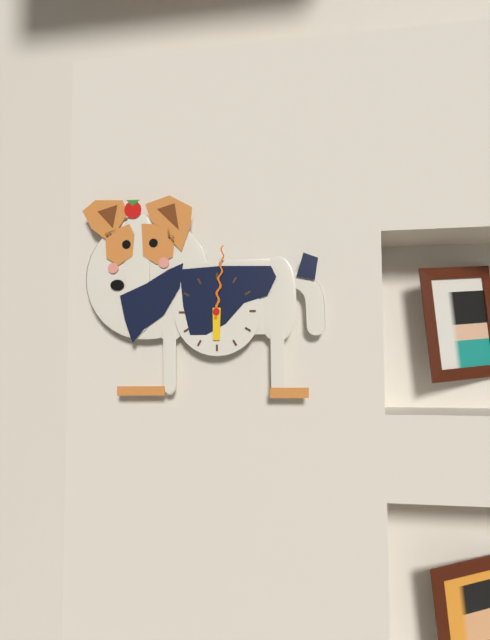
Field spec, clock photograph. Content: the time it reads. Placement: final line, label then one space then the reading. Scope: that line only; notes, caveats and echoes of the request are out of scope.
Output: 6:01
